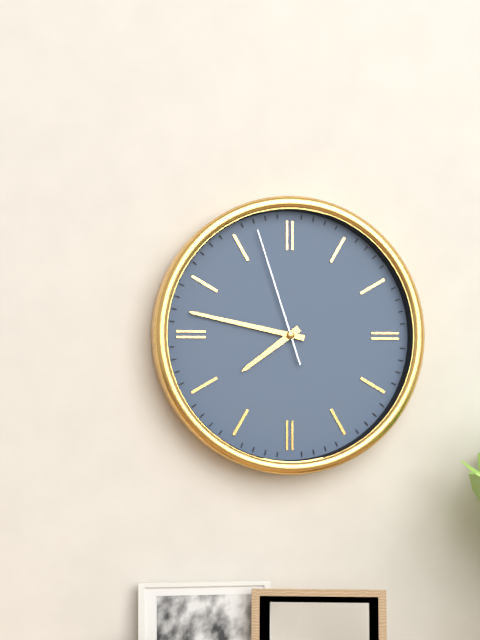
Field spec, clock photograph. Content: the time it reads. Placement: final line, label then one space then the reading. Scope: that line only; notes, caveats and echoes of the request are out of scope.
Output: 7:47:57
